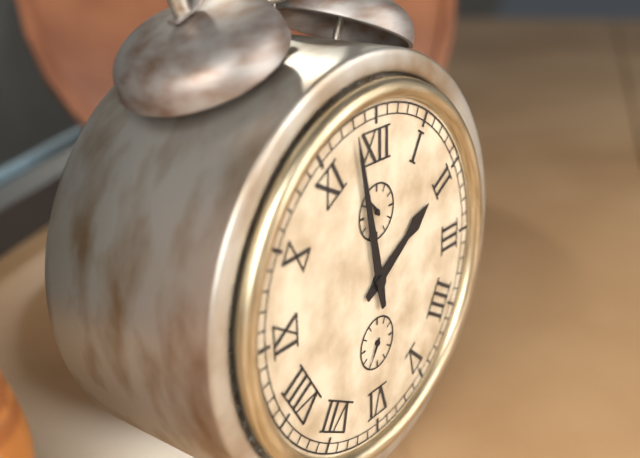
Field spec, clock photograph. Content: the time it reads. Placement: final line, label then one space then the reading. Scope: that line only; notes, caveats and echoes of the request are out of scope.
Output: 1:58
